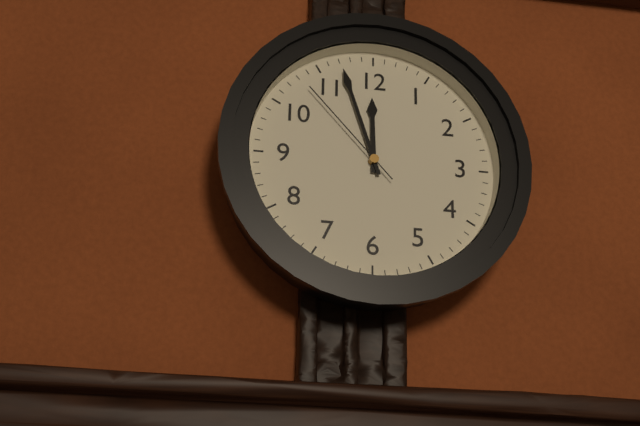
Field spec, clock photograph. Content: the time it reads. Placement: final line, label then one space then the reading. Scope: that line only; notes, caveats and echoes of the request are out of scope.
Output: 11:57:53
